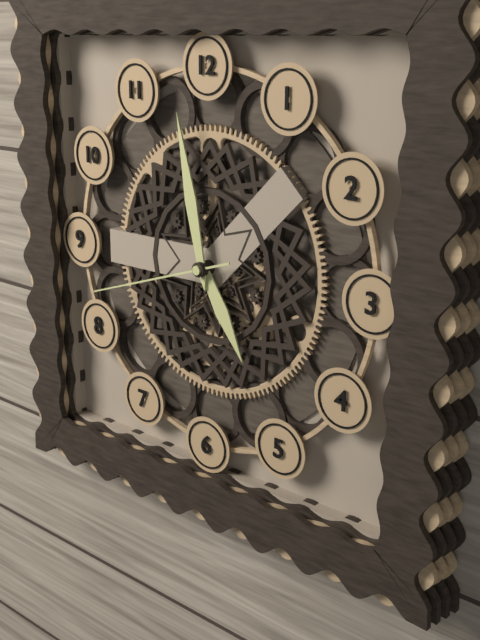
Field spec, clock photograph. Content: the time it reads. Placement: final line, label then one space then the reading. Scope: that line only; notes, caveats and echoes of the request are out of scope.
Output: 4:58:42
